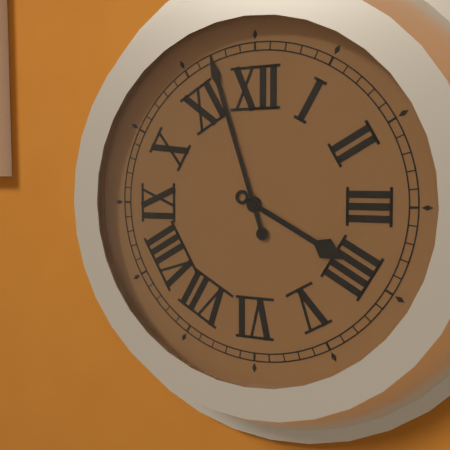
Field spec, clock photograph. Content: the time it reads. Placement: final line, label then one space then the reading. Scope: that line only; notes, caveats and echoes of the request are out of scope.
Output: 3:57
